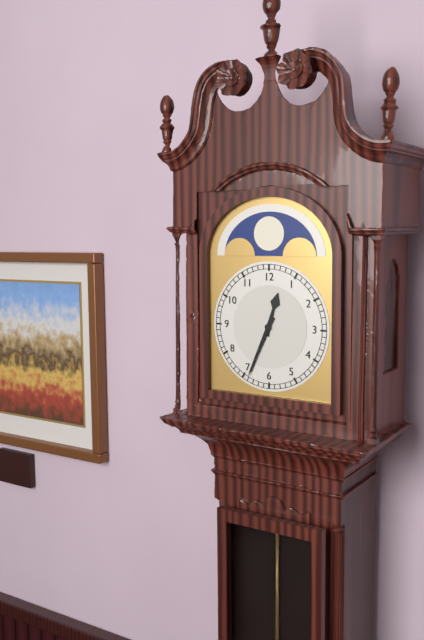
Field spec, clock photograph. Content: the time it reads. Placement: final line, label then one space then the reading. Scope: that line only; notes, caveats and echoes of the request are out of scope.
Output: 12:34
